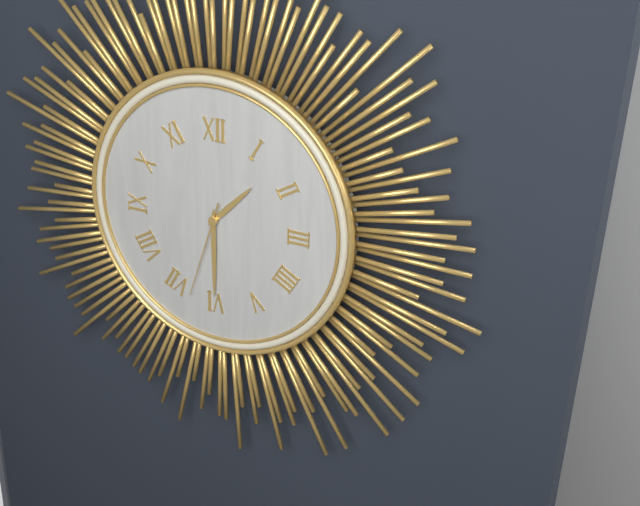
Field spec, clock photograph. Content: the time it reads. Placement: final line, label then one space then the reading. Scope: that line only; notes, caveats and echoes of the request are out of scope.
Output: 1:30:33
